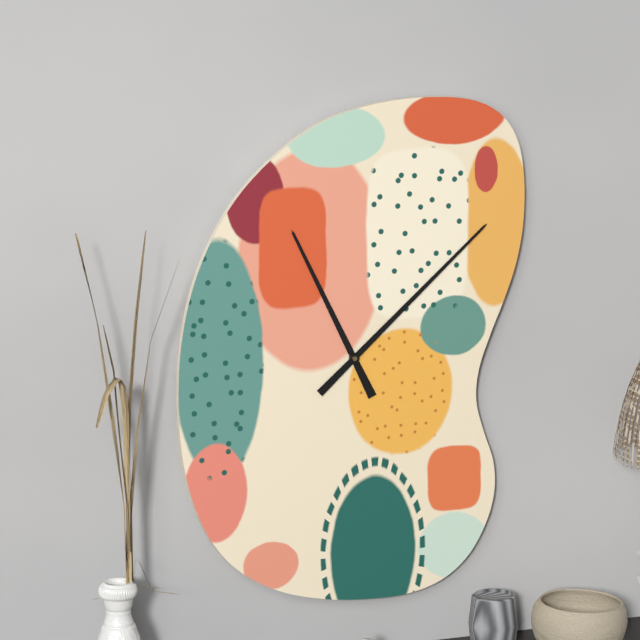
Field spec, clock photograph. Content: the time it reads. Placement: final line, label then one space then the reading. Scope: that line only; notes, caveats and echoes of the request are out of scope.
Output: 11:08
